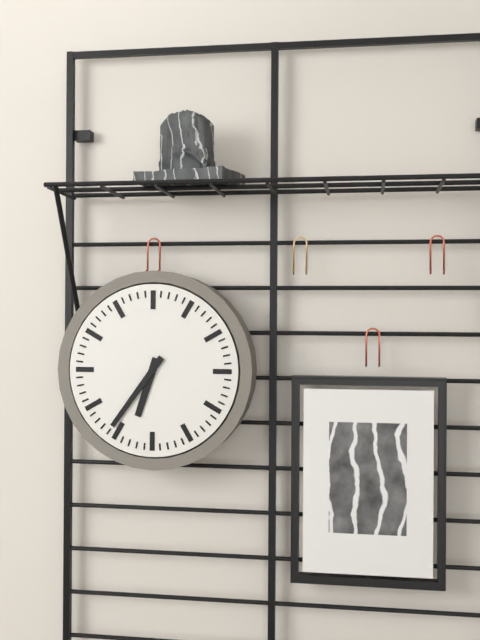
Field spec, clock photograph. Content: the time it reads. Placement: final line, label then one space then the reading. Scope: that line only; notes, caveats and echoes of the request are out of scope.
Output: 6:36
